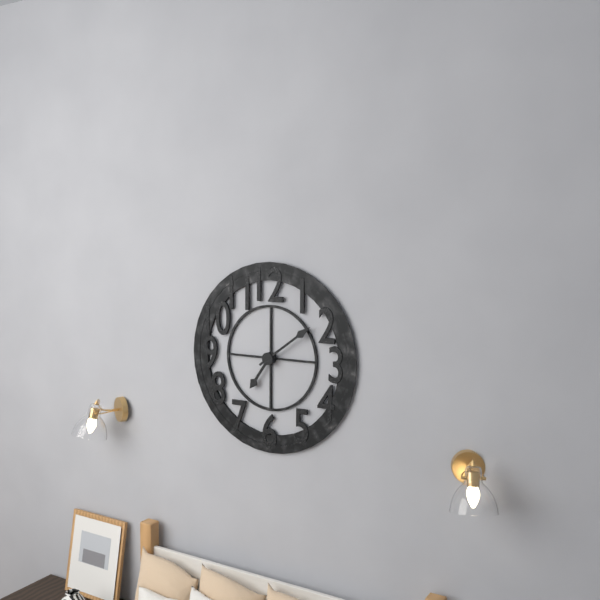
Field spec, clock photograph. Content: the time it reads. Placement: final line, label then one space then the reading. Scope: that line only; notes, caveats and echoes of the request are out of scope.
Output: 7:09
